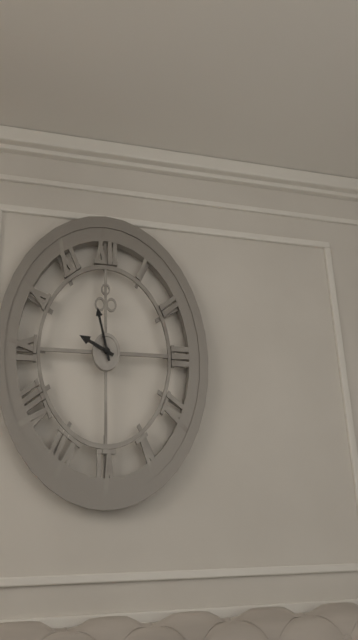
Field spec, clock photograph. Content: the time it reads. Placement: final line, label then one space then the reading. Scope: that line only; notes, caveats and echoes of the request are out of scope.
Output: 9:58
